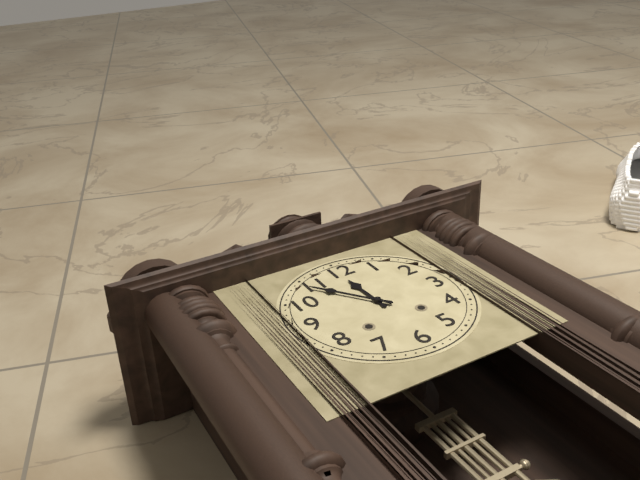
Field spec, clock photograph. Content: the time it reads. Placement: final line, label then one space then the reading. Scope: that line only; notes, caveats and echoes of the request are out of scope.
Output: 11:54
